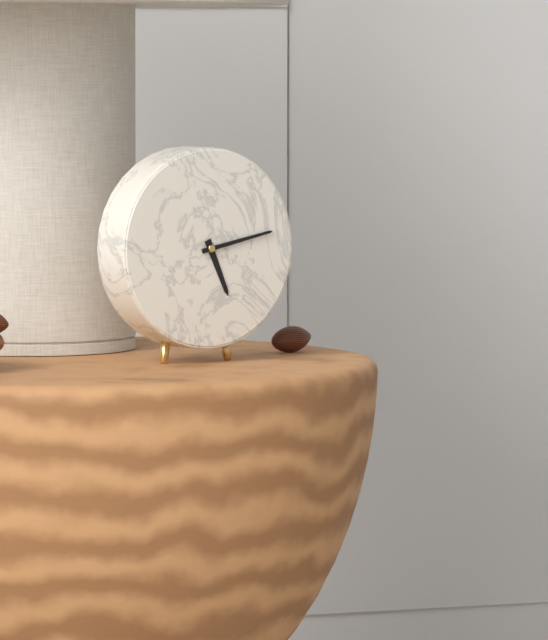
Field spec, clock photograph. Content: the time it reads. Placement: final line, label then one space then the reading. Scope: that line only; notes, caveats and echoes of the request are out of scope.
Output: 5:13
